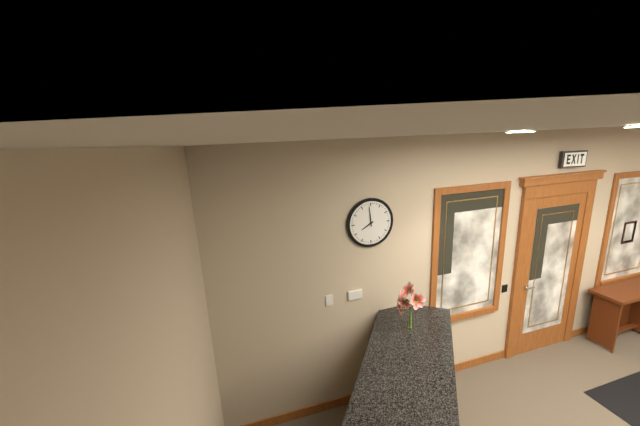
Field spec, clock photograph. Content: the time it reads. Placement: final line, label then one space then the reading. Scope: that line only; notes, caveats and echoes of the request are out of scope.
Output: 7:59
